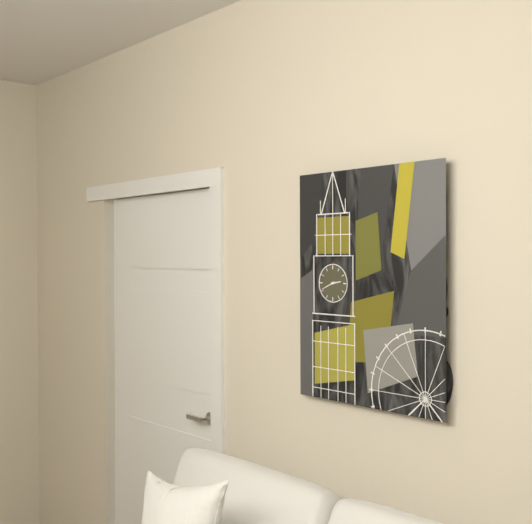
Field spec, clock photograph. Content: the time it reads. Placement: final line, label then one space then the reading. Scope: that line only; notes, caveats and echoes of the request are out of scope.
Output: 2:41
